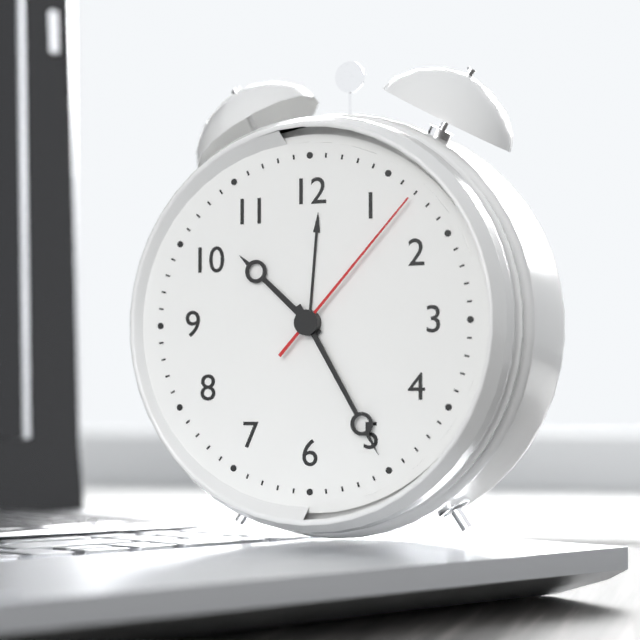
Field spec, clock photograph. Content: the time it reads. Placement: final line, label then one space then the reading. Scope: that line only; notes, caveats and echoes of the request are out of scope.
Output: 10:25:07
